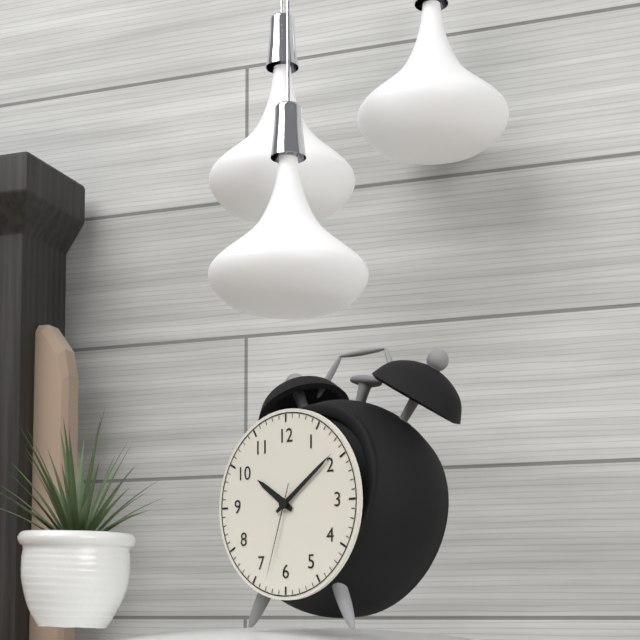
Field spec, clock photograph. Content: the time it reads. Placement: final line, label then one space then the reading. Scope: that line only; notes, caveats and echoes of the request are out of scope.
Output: 10:09:33
